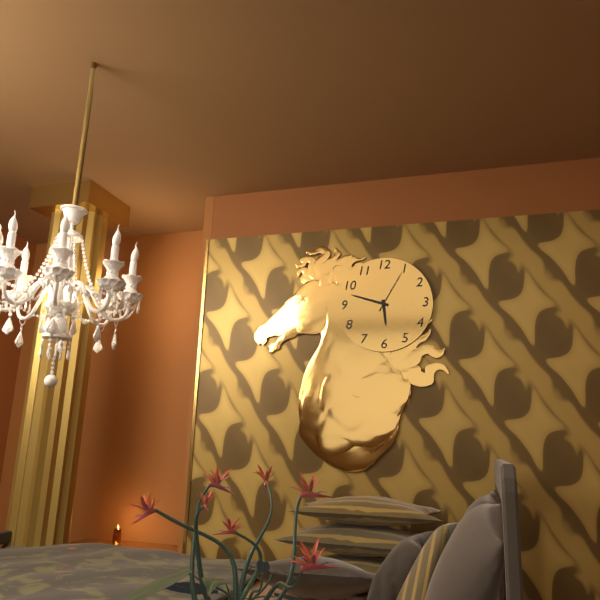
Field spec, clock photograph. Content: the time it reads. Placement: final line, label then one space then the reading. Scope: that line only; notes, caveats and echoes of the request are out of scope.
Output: 5:48
